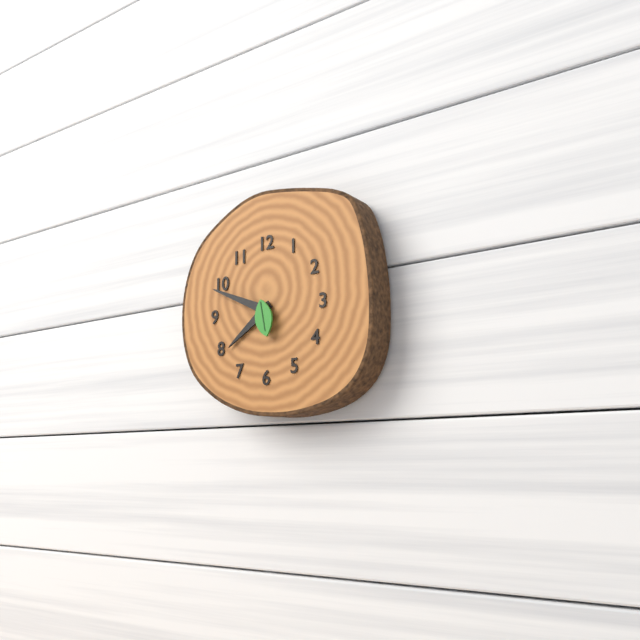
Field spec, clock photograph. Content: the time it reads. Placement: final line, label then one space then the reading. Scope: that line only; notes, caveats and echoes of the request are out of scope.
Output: 7:49
